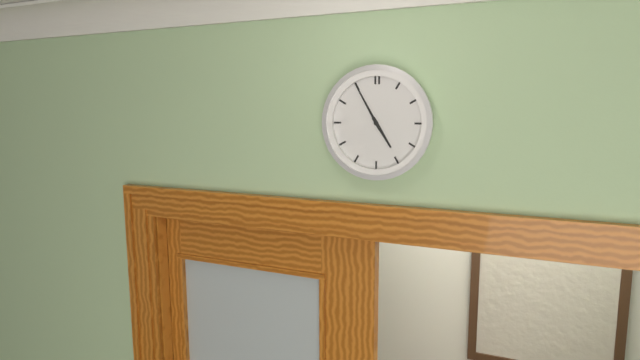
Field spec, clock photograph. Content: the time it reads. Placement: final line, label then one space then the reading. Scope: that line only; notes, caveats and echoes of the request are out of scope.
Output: 4:55
